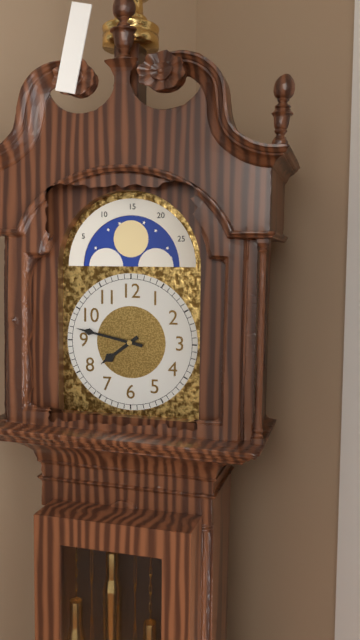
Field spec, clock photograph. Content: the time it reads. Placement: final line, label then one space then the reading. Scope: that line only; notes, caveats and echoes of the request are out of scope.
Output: 7:47
